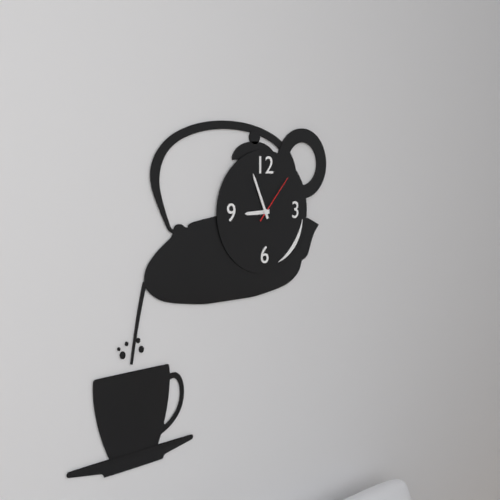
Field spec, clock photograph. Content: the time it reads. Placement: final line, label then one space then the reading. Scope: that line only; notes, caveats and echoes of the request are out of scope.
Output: 8:56:07
